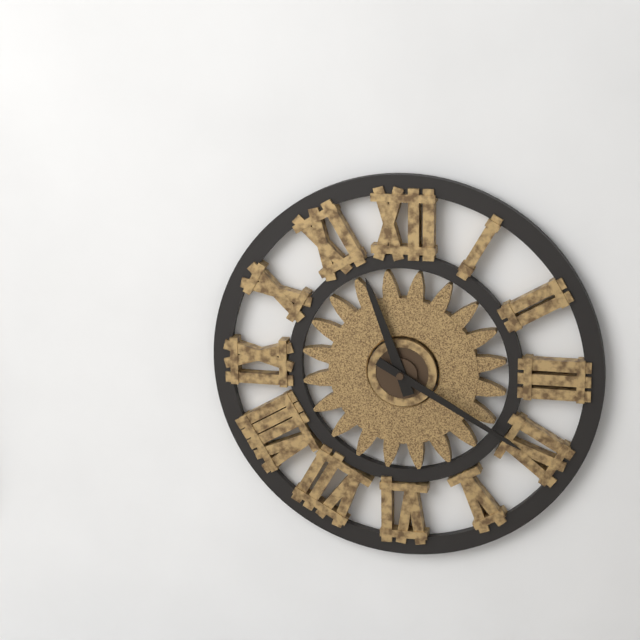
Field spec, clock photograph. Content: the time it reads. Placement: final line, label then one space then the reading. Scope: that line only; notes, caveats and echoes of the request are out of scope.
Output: 11:20
